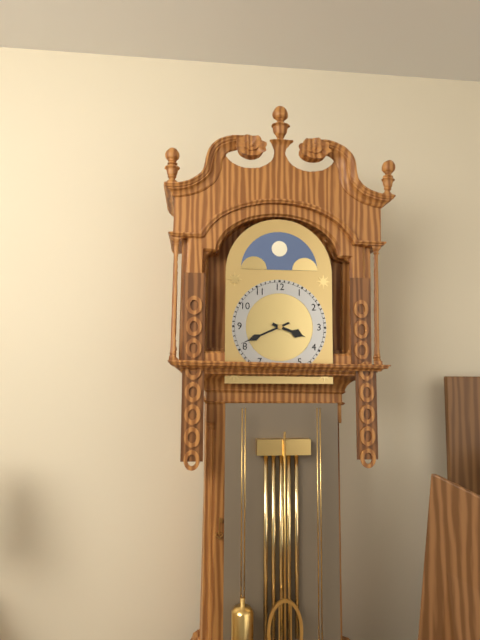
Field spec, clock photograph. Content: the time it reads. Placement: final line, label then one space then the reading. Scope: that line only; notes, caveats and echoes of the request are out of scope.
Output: 3:41
